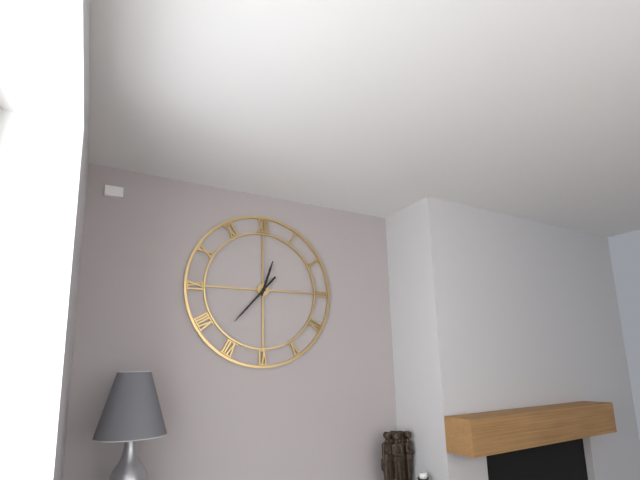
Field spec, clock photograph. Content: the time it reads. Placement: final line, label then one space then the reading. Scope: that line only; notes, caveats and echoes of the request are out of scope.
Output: 12:37
